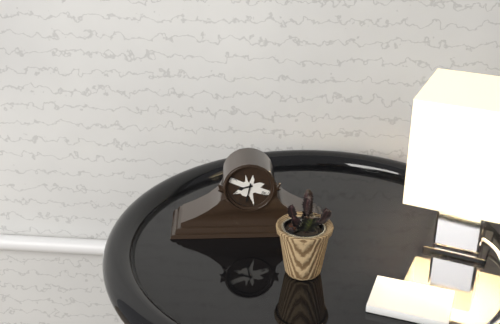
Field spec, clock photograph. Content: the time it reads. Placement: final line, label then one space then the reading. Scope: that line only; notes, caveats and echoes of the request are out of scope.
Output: 8:32
